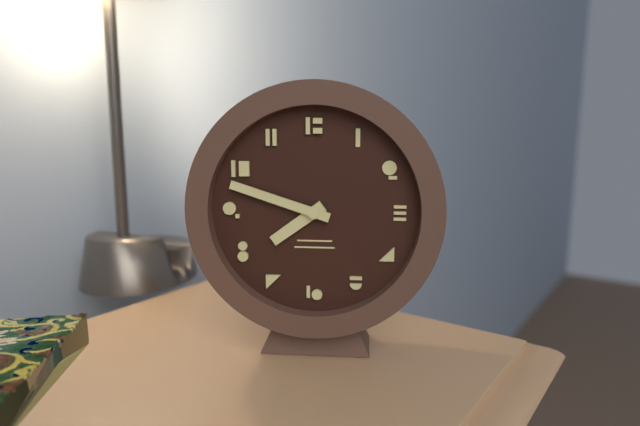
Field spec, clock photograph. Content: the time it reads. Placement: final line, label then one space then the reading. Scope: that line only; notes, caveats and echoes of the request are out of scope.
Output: 7:48
